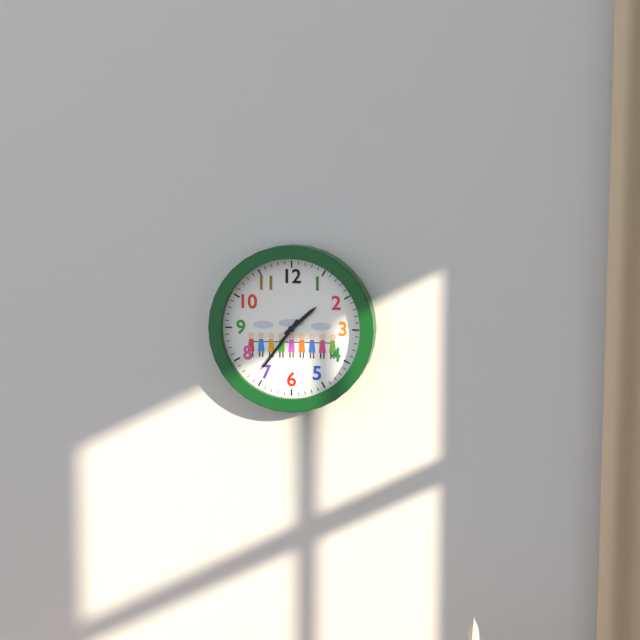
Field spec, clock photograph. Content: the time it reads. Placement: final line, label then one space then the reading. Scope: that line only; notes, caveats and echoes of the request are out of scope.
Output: 1:36
